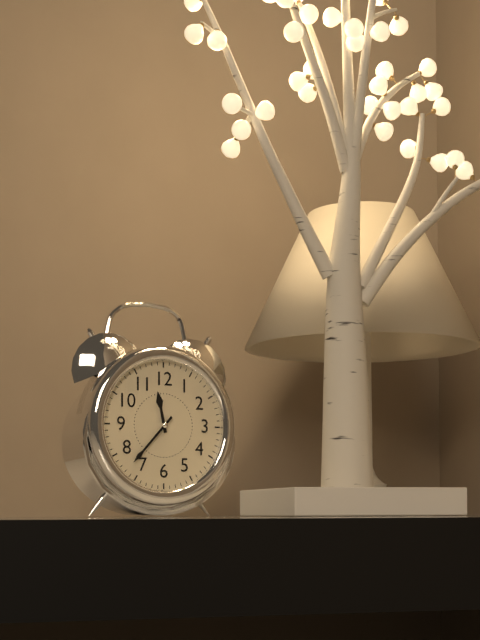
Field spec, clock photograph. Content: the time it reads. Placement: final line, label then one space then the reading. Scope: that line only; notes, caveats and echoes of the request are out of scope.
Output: 11:37
